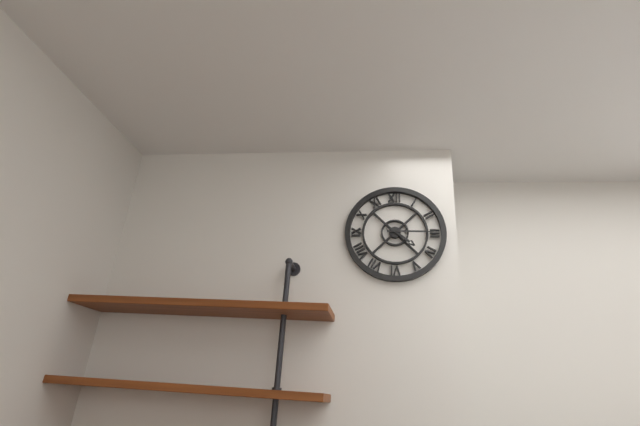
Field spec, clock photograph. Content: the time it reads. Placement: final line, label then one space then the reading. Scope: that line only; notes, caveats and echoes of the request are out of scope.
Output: 4:15
